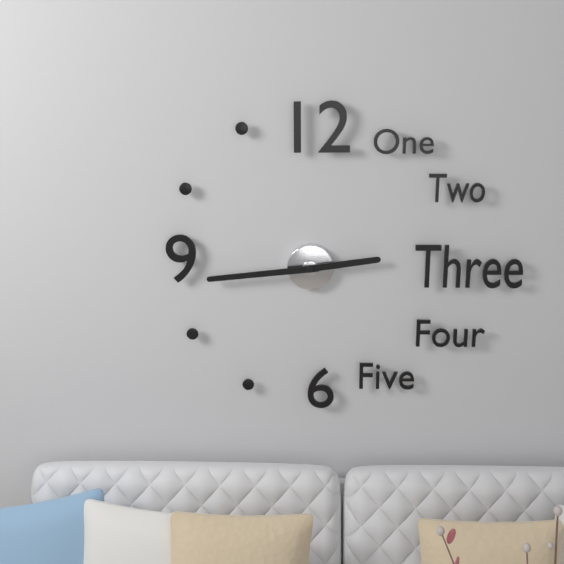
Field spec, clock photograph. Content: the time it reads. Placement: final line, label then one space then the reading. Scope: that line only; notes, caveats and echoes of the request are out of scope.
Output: 2:44
